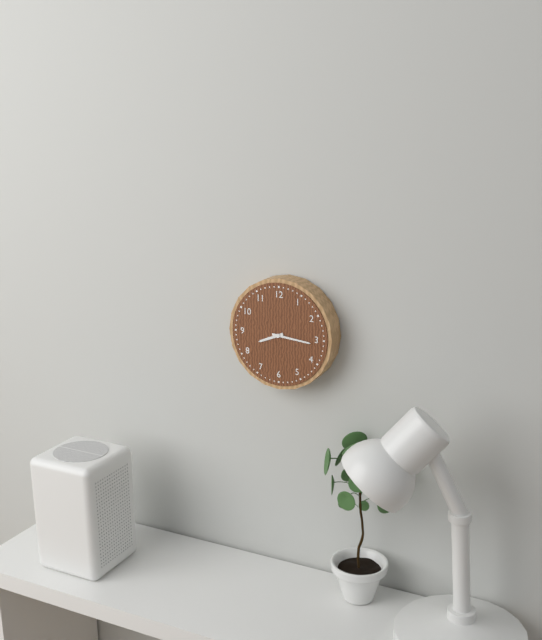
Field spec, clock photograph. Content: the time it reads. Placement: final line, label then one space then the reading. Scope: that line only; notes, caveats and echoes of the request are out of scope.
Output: 8:16
